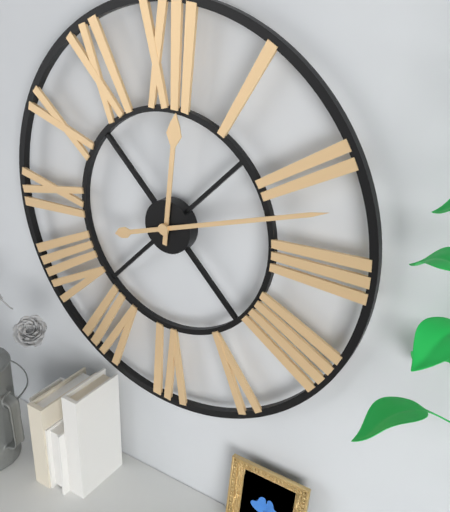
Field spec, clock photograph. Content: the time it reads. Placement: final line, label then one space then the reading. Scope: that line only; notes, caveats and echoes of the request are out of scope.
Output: 12:12
